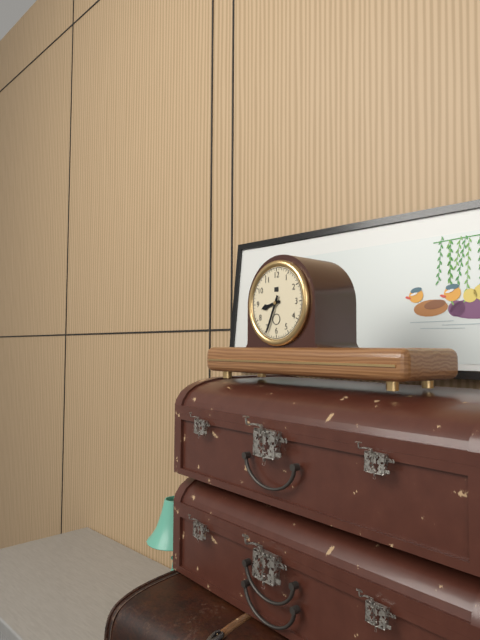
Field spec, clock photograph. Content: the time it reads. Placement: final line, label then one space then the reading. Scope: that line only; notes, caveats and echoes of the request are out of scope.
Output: 8:34
